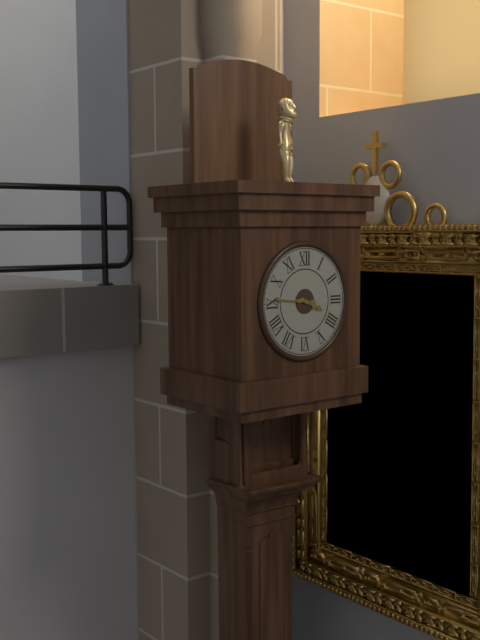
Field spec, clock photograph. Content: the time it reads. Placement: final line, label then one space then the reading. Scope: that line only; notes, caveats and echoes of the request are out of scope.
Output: 3:46
